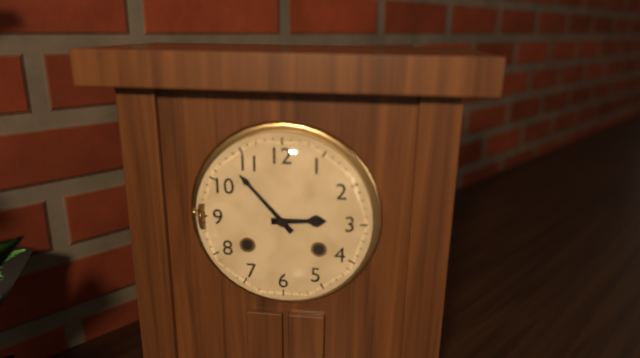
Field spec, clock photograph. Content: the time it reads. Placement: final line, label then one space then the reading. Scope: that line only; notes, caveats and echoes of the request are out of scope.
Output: 2:53
